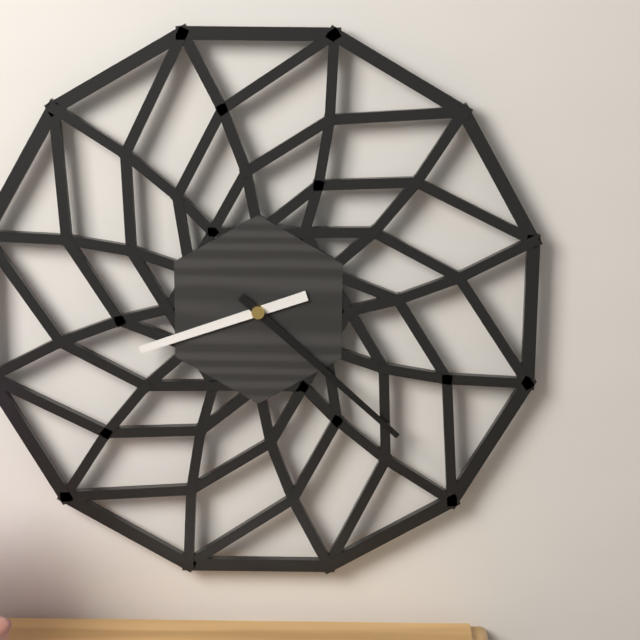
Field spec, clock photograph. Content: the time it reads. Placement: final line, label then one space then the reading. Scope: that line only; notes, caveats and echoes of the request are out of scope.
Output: 8:22
